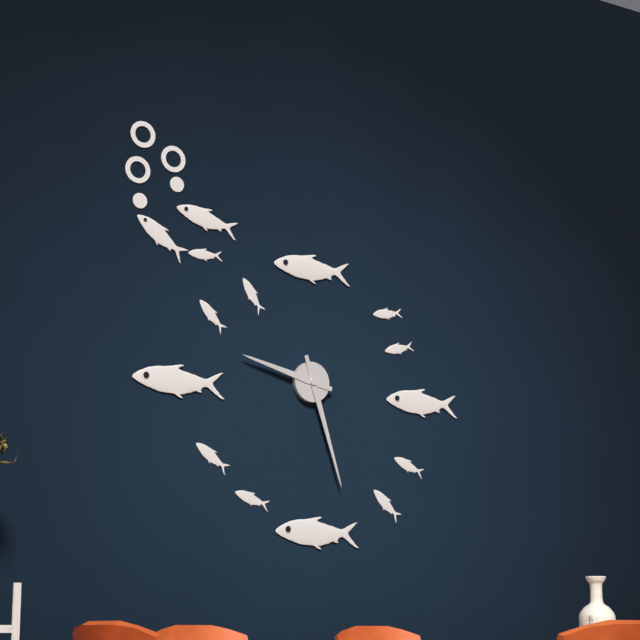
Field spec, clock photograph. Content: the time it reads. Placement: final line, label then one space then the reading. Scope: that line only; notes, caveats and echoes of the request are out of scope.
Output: 9:27
